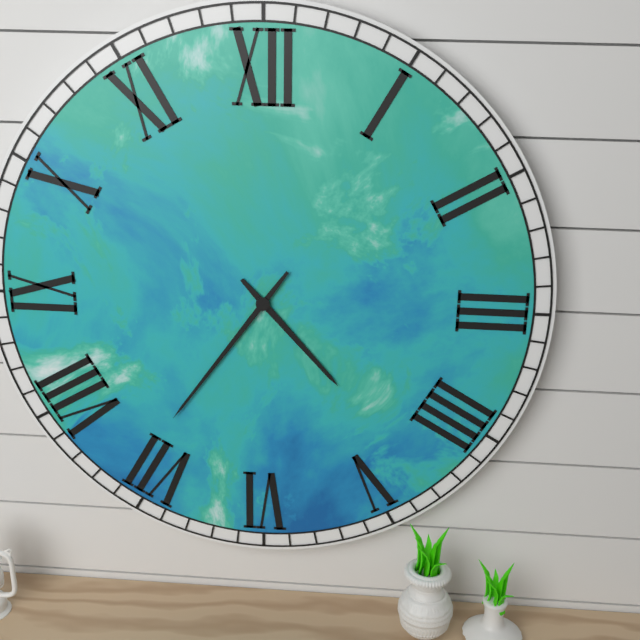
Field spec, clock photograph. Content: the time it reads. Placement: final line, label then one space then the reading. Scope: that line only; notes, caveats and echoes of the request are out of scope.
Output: 4:36
